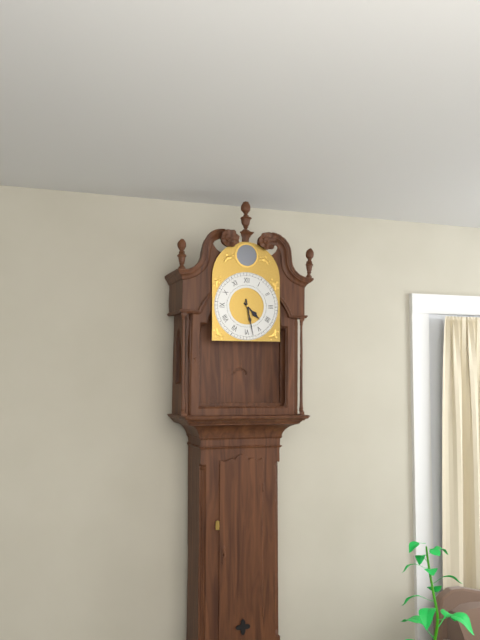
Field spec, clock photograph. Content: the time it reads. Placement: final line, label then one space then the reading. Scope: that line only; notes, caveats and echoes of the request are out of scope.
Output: 4:28
